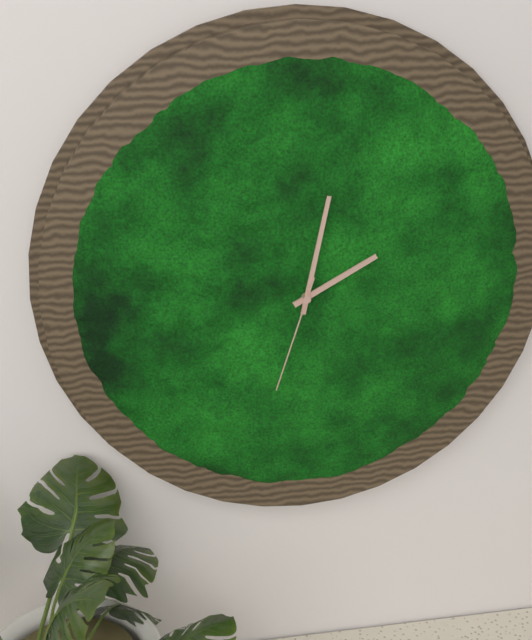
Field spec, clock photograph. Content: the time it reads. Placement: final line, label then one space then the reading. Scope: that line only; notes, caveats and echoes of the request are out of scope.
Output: 2:02:33
